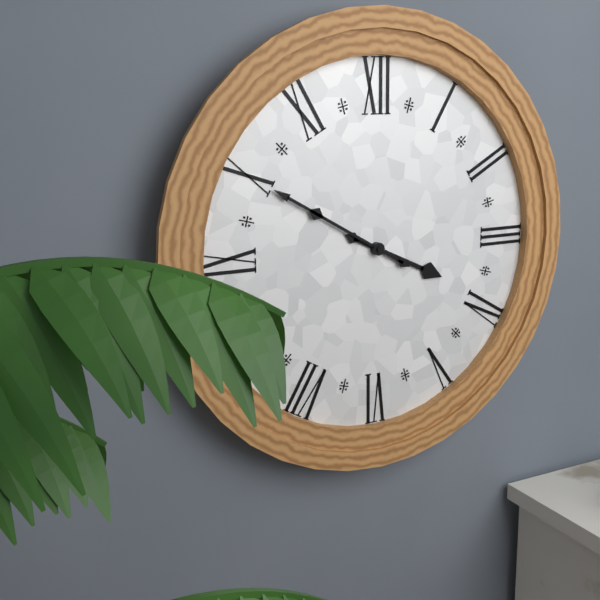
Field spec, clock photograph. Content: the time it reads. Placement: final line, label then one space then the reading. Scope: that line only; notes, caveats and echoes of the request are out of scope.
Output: 3:50
